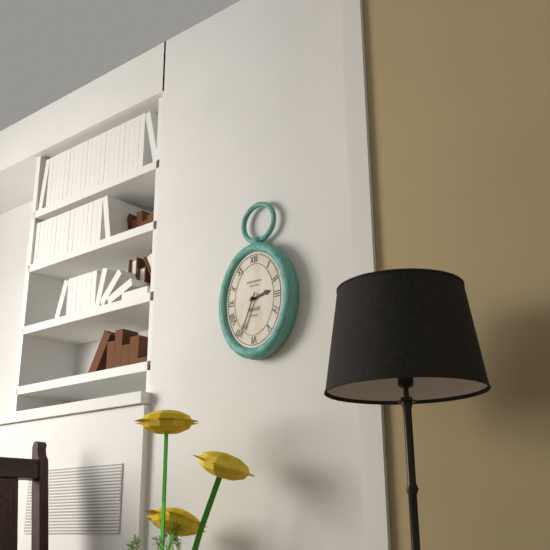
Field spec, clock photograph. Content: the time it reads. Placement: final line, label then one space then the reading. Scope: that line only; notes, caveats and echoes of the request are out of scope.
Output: 2:34
